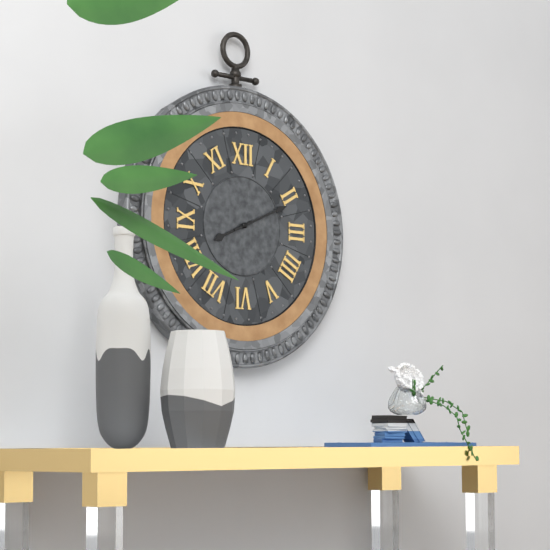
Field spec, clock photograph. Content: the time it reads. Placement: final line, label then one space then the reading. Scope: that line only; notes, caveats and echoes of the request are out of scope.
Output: 8:11
